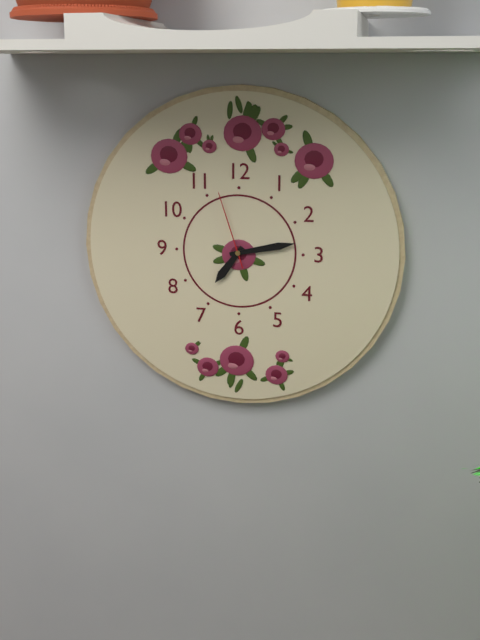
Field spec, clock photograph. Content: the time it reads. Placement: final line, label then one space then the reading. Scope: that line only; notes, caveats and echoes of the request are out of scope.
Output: 7:13:57
